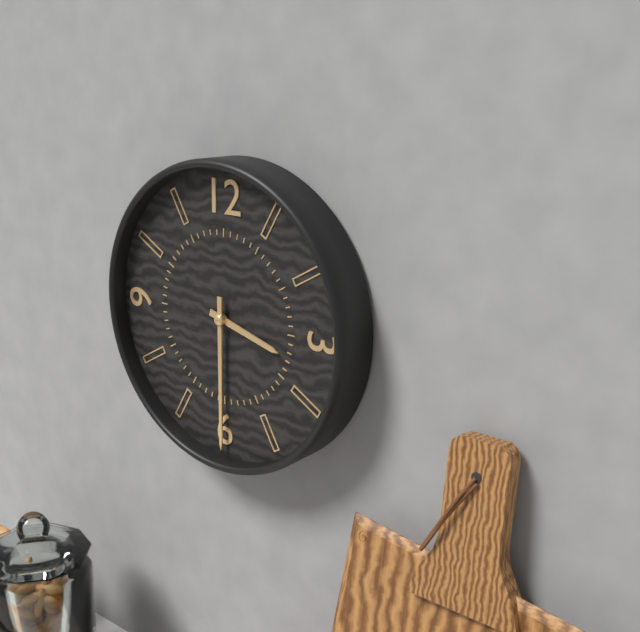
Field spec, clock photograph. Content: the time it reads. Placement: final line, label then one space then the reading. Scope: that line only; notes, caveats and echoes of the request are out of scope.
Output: 3:30
